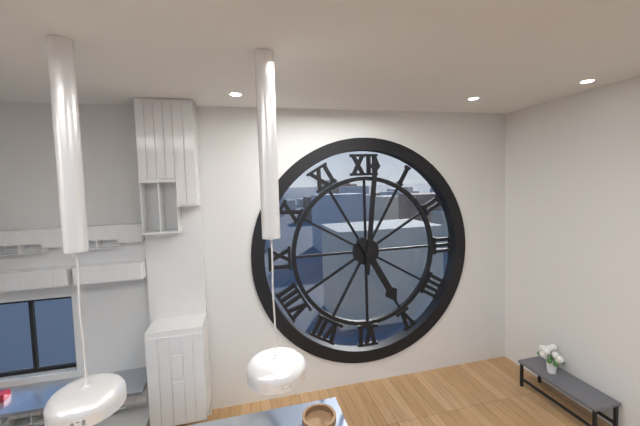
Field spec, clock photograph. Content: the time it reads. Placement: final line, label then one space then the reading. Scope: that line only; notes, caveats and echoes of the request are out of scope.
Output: 5:01
